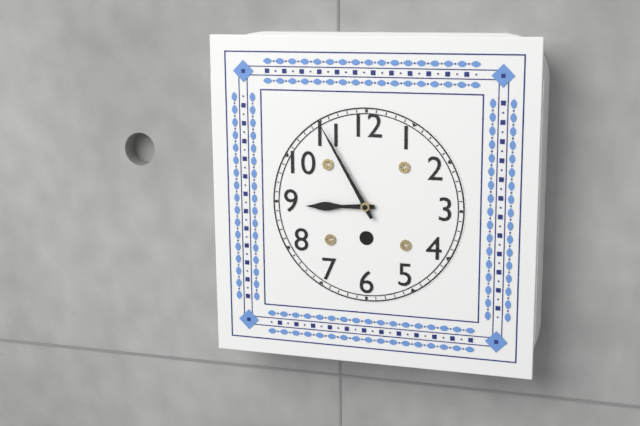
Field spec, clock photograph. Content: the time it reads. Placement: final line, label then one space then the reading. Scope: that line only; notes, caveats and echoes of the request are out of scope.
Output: 8:55
